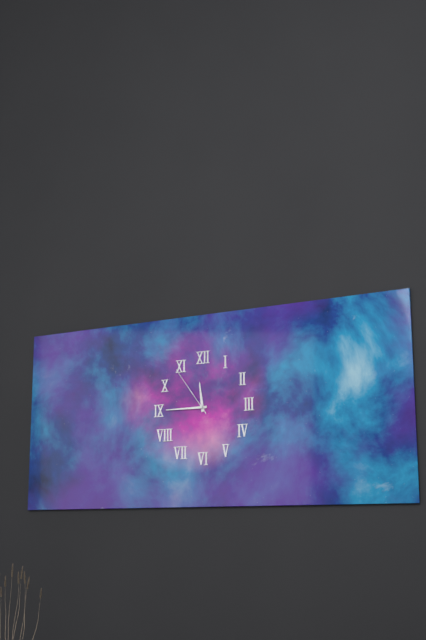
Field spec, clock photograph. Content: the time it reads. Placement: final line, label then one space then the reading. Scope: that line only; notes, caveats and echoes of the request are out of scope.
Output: 11:45:54
